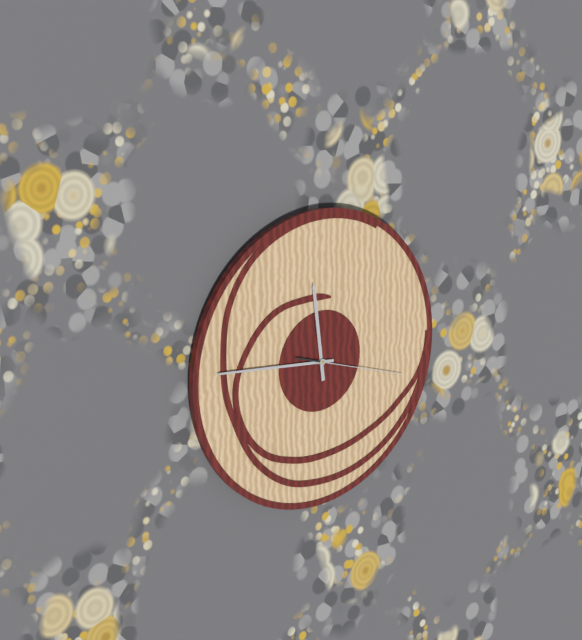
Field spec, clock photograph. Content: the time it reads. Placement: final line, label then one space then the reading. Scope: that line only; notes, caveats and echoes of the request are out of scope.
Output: 11:46:18
